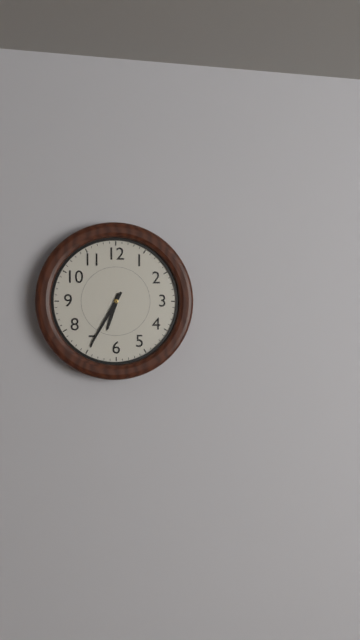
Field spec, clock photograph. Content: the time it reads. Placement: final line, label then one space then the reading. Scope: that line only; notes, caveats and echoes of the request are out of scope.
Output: 6:35
